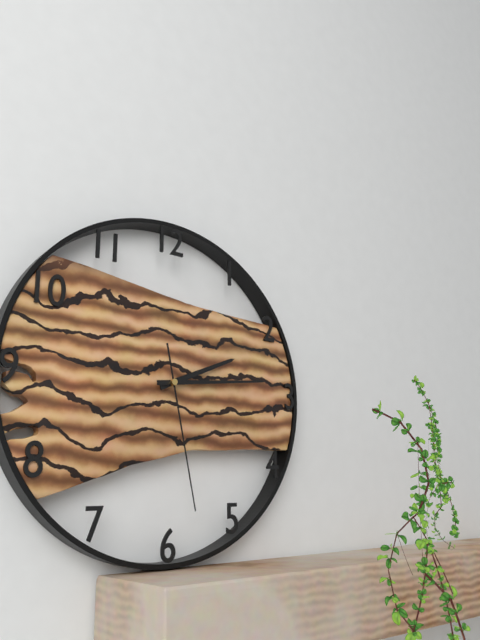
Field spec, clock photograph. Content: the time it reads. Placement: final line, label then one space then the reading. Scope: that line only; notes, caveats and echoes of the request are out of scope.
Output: 2:14:28
